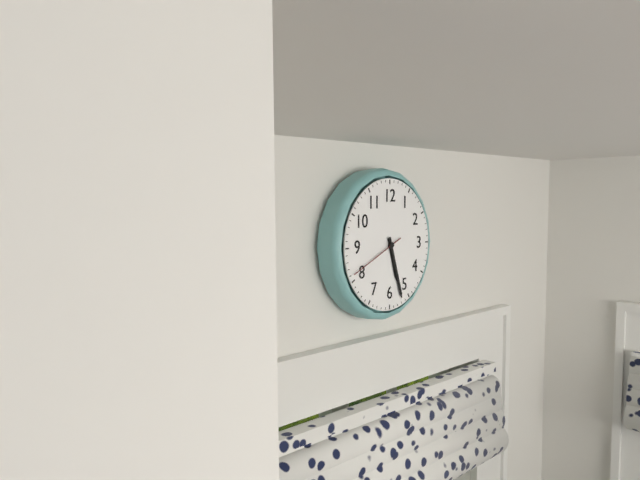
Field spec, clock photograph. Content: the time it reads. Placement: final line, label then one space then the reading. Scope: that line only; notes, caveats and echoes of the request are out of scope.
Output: 5:27:41
